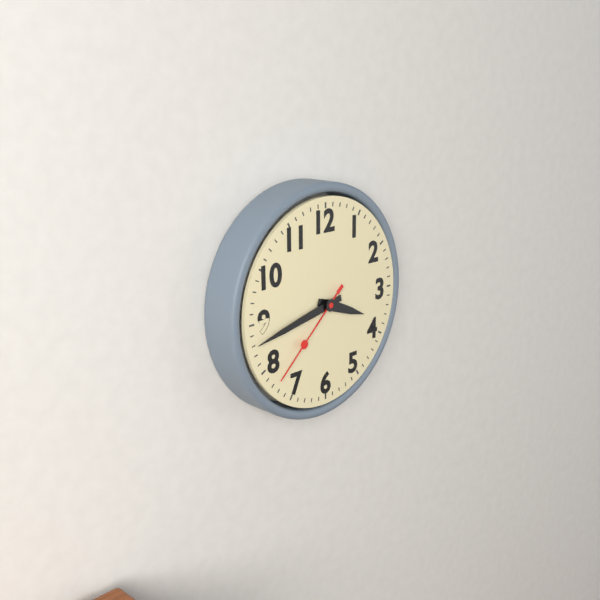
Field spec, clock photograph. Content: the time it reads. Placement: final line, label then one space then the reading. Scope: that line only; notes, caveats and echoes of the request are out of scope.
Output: 3:43:38
